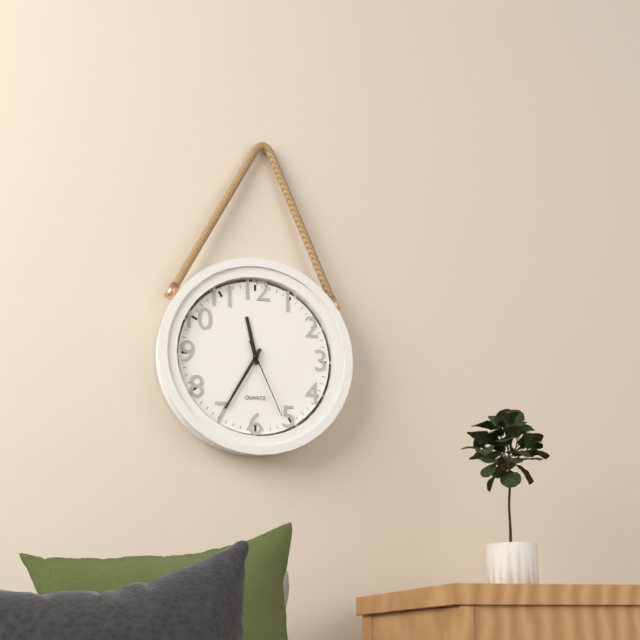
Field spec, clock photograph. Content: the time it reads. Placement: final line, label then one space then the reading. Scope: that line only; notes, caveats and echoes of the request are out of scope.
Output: 11:35:26
